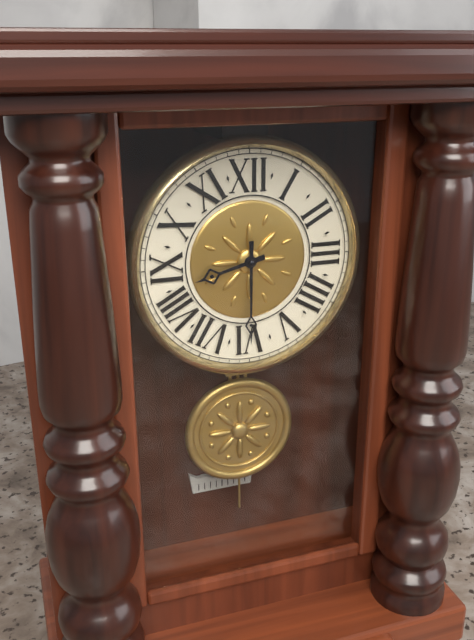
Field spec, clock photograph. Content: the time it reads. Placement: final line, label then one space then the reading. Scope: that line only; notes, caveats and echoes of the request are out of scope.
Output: 8:30
